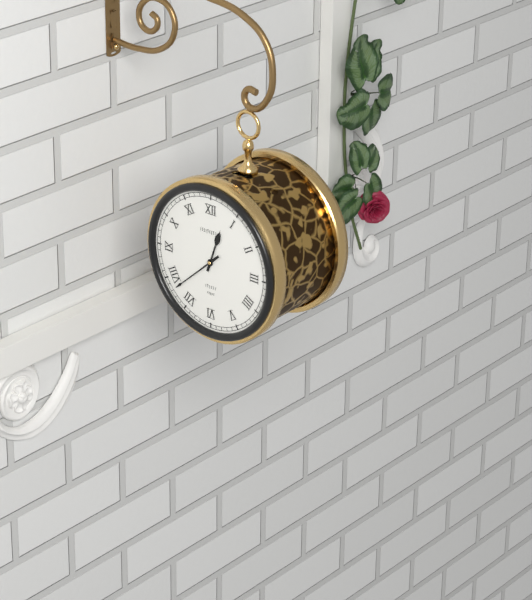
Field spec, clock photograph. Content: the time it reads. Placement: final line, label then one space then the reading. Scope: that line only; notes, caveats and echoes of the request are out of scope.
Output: 12:38
